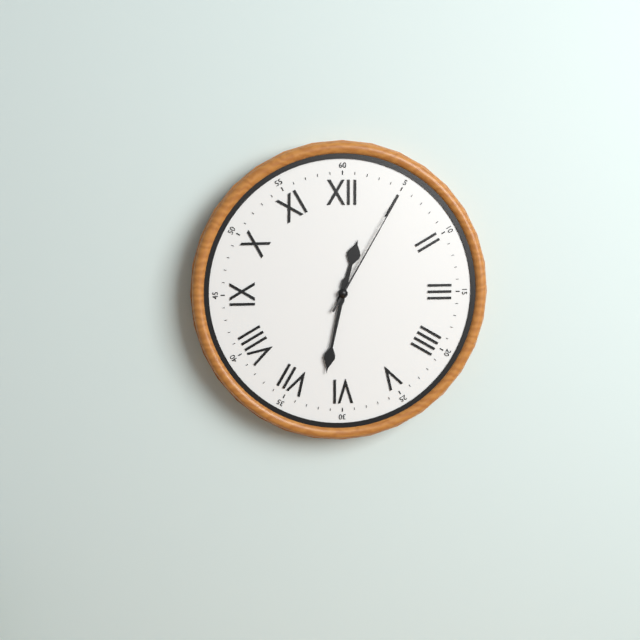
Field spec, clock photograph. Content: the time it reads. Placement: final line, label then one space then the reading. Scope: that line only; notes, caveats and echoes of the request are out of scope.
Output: 12:32:05
